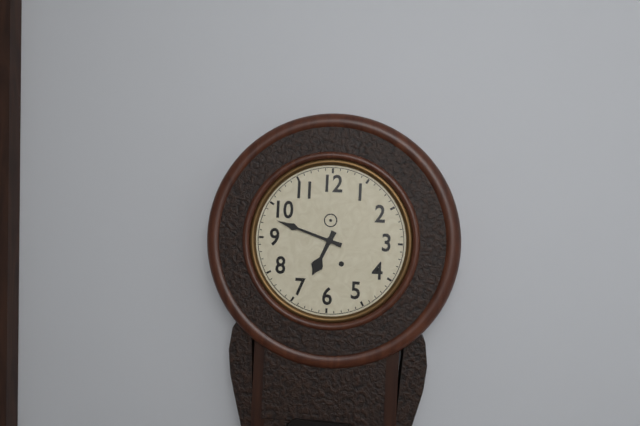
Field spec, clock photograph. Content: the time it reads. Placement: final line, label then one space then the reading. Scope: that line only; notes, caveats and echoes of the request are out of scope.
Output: 6:48
